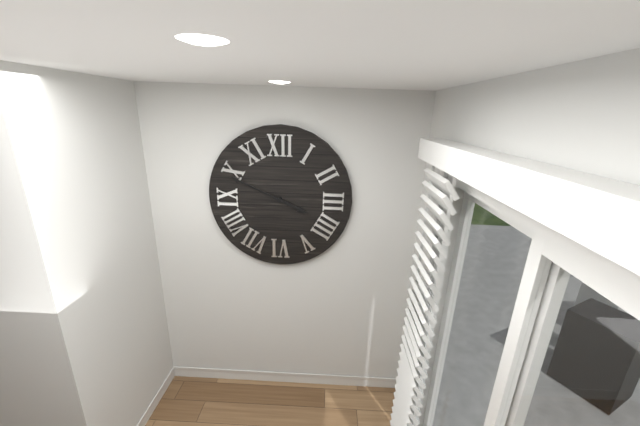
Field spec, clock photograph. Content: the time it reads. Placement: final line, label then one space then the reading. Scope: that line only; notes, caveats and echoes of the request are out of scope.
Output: 3:49
